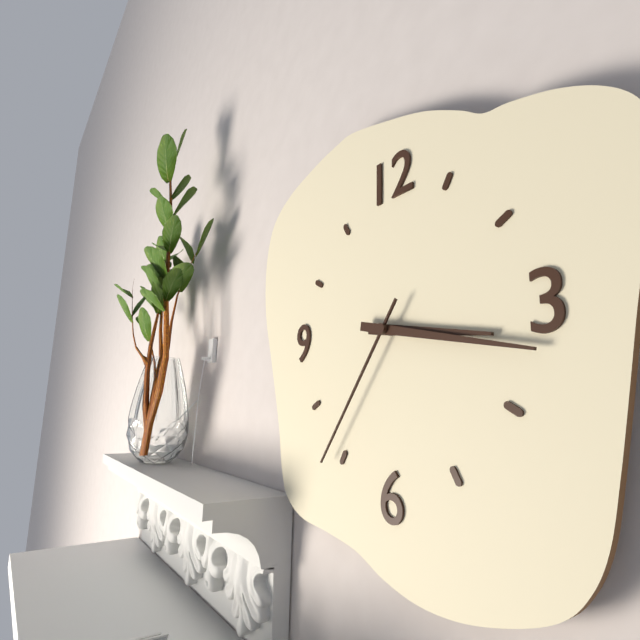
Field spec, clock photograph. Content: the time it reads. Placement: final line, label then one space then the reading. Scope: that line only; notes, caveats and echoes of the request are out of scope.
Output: 3:17:36
